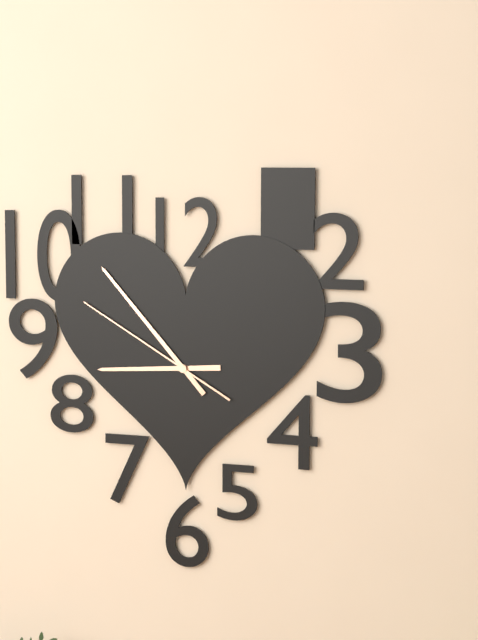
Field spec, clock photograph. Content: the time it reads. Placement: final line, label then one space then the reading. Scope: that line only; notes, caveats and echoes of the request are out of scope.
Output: 8:53:50
